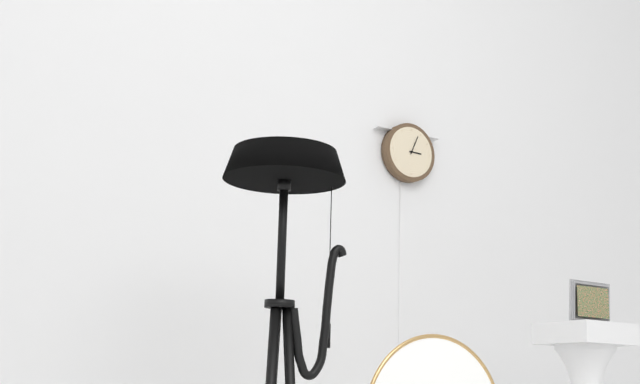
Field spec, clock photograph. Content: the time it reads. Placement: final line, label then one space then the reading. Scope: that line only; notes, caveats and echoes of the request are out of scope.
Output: 3:04
